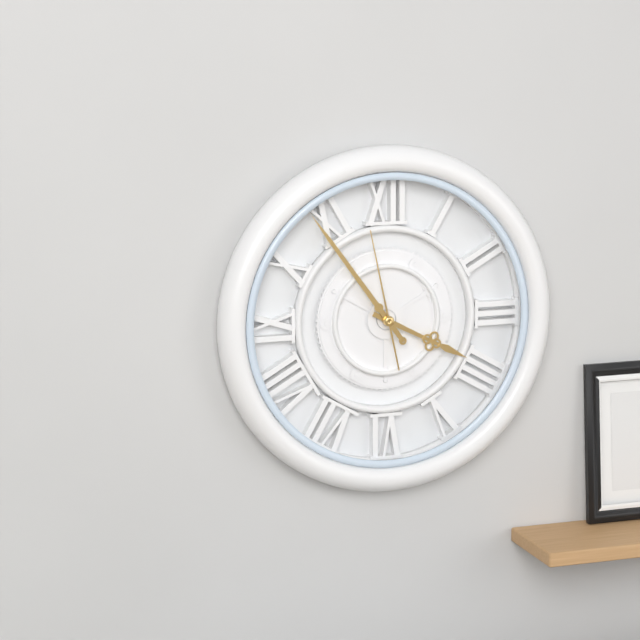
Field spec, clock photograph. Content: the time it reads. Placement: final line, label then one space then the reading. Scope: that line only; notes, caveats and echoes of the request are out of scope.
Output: 3:54:58
